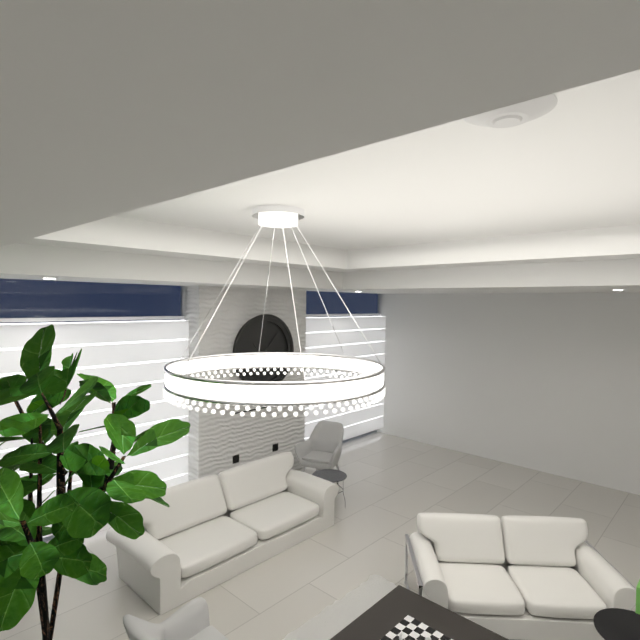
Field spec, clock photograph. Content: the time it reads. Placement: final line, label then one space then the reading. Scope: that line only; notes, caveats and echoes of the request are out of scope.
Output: 10:07
